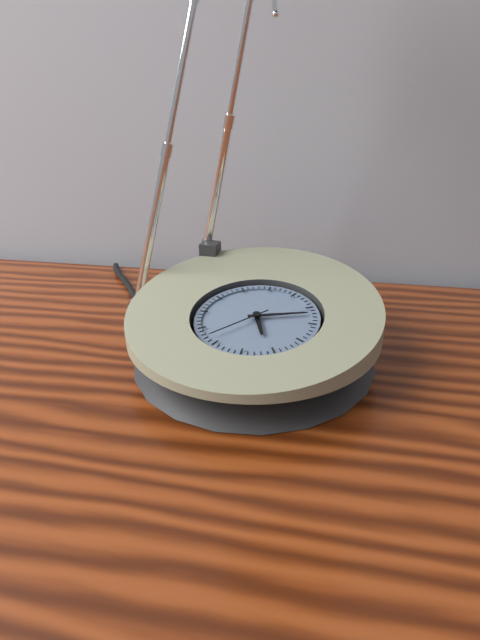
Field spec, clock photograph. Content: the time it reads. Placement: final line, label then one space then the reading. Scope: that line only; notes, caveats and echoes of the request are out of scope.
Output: 5:12:37
